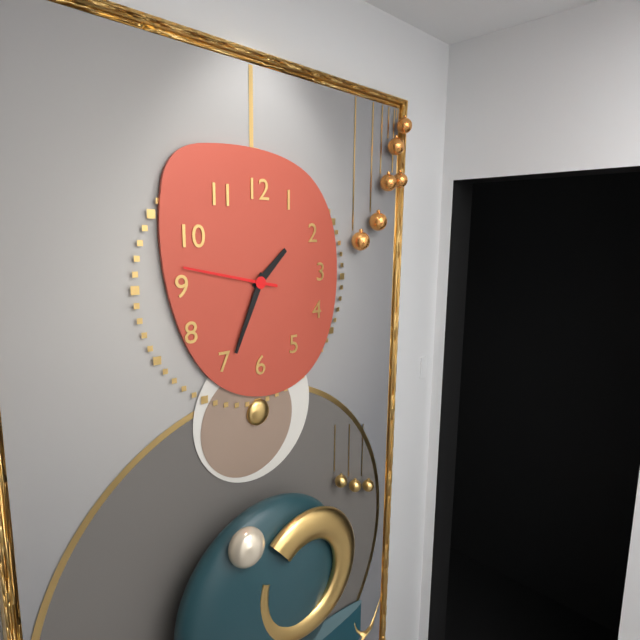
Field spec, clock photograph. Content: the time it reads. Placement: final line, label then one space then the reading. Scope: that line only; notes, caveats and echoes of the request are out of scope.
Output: 1:34:47
